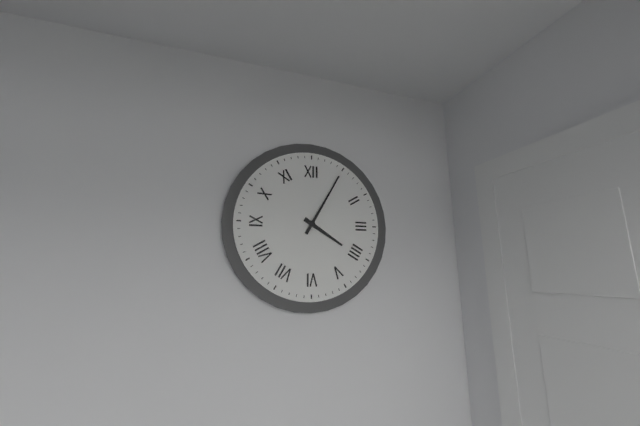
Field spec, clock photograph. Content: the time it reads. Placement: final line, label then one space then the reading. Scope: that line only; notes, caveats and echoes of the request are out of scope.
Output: 4:05
